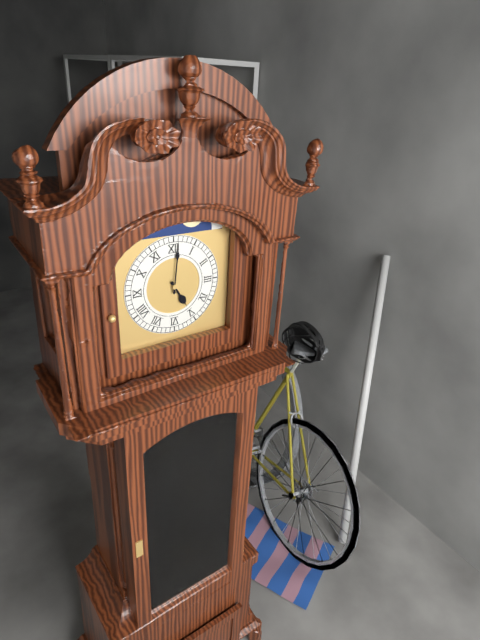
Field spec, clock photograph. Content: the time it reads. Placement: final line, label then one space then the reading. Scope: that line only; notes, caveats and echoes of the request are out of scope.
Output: 5:01
